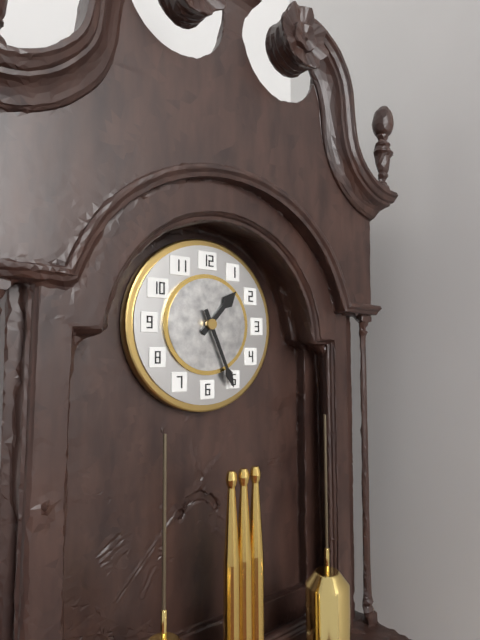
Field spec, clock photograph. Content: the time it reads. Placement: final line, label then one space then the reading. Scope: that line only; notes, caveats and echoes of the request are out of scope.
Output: 1:26
